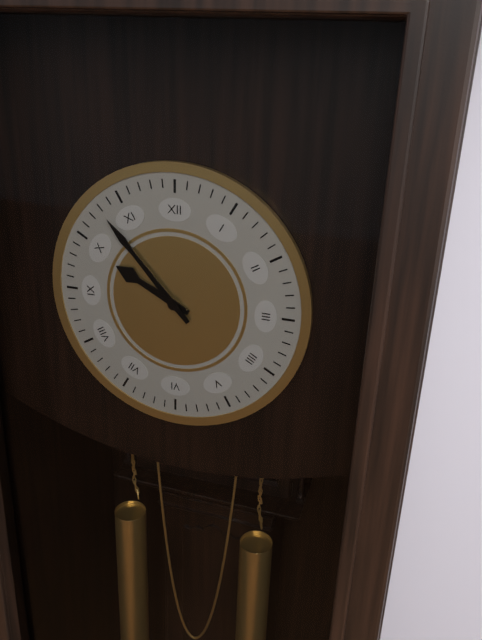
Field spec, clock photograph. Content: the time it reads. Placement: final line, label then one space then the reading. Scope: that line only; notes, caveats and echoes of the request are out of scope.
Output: 9:53
